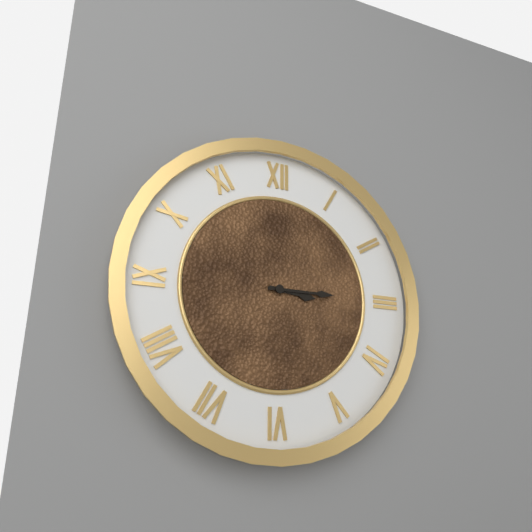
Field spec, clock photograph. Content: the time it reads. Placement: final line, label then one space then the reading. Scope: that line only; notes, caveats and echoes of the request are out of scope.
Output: 3:15
